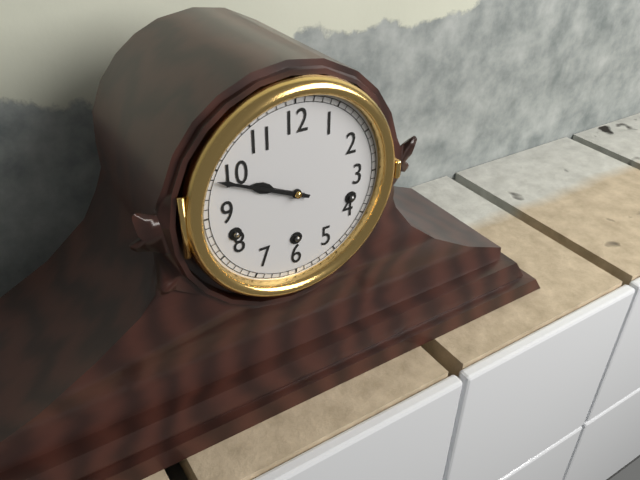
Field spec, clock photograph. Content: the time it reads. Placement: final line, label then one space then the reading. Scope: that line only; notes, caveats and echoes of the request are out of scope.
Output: 9:49
